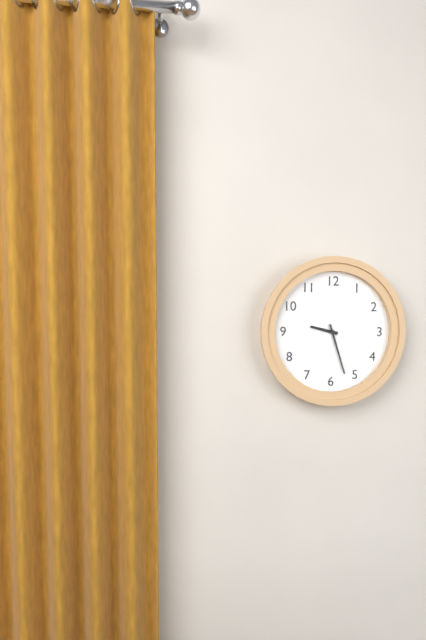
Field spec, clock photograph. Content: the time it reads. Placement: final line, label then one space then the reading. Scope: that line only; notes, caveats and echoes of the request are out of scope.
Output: 9:27
